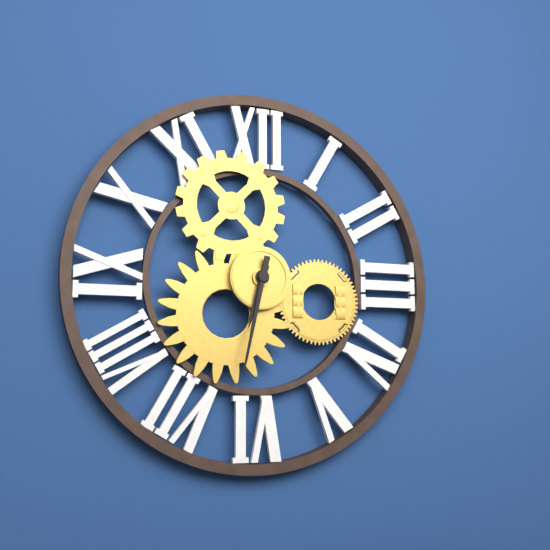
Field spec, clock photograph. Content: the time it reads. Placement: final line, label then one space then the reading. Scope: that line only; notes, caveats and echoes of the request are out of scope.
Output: 6:32
